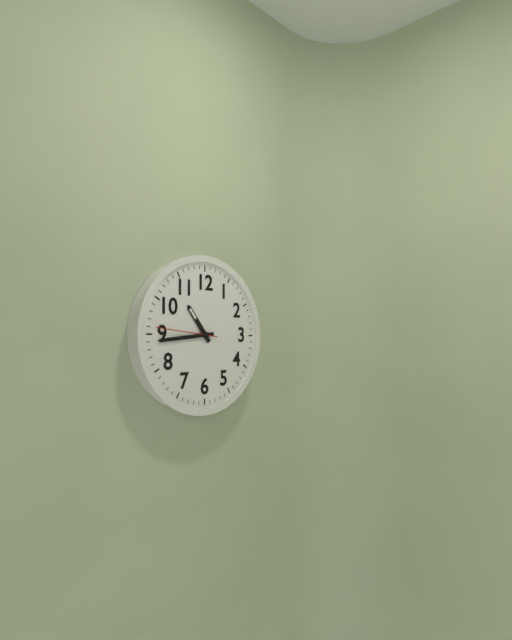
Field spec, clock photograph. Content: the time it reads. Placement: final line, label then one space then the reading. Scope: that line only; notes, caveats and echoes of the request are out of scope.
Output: 10:44:46
